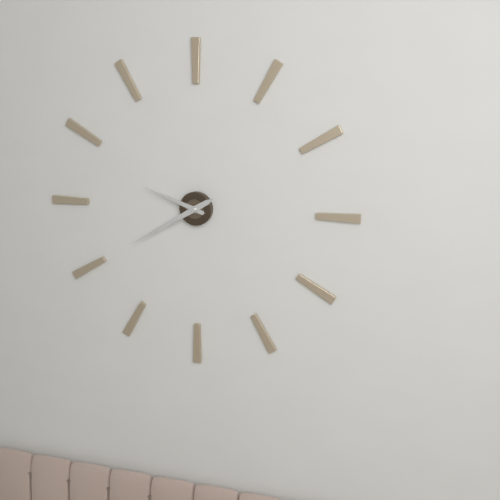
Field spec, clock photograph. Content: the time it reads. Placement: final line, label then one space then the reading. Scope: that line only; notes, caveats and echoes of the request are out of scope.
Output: 9:40
